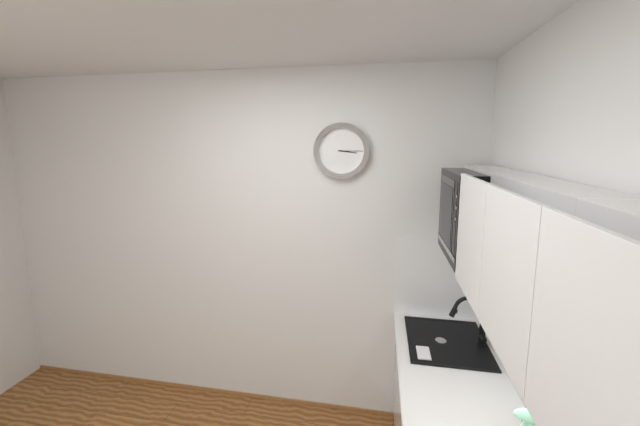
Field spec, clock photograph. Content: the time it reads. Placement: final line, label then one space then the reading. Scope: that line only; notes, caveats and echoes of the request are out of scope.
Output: 3:15
